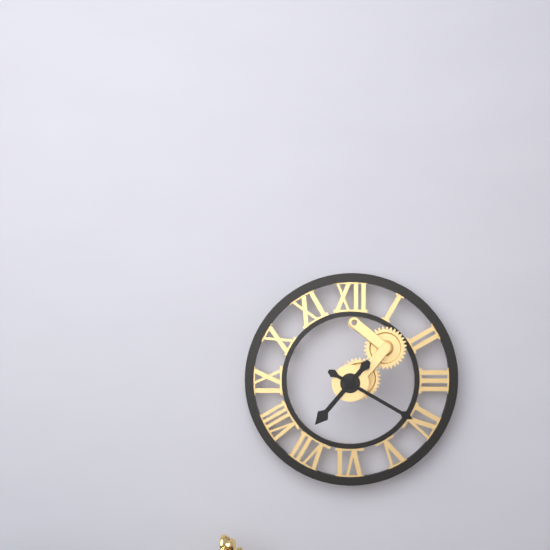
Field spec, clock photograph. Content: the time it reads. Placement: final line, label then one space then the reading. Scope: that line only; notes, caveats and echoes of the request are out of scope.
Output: 7:20
